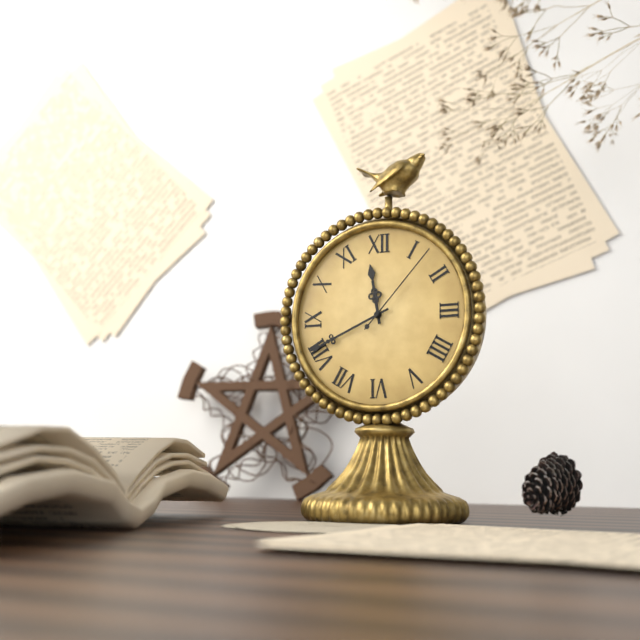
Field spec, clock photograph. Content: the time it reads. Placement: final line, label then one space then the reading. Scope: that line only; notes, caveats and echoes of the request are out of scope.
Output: 11:41:07
